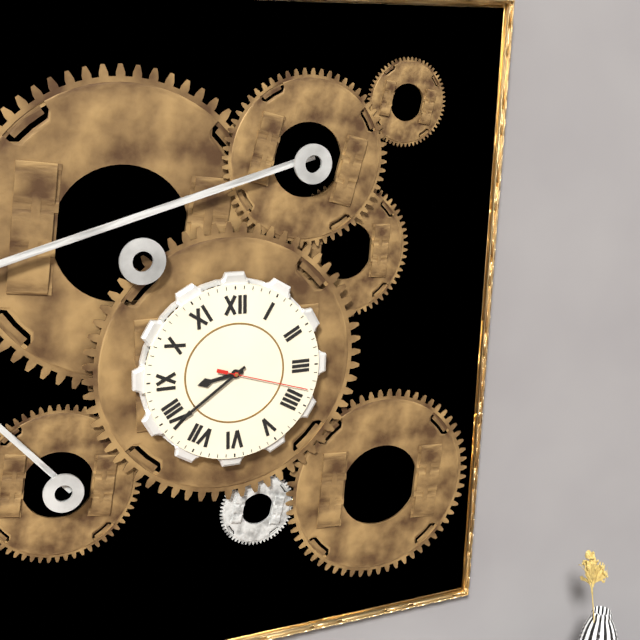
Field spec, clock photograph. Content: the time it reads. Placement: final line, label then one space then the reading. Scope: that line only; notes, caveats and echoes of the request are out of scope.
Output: 8:39:18
